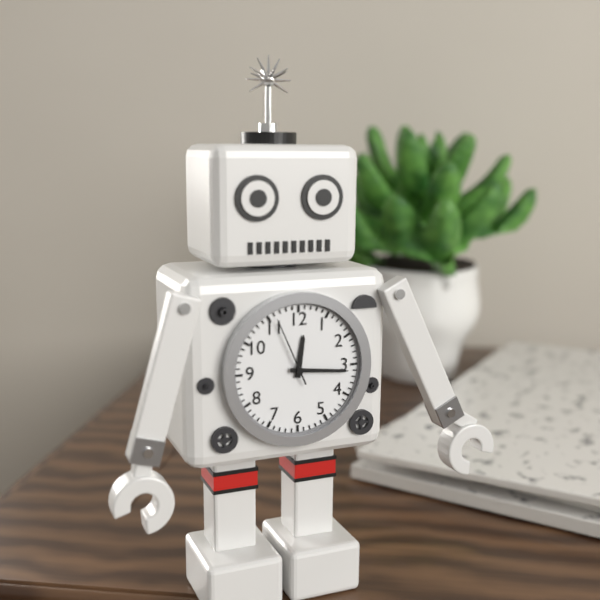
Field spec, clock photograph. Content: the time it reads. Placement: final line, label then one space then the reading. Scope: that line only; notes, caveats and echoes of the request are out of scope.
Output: 12:16
